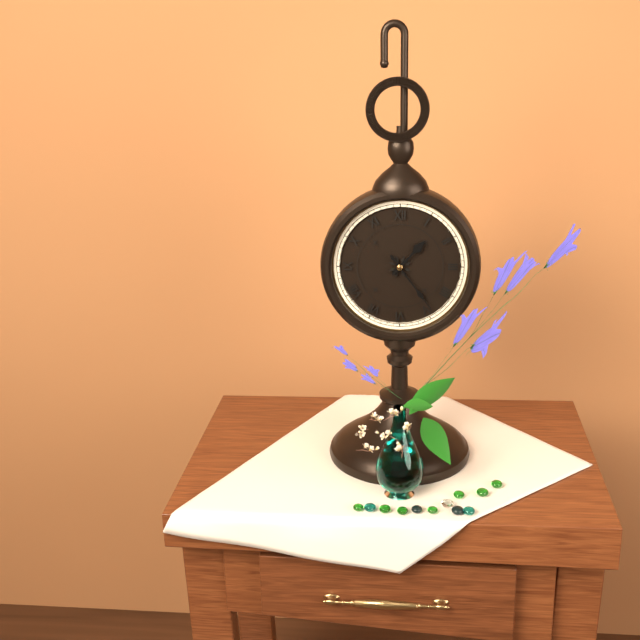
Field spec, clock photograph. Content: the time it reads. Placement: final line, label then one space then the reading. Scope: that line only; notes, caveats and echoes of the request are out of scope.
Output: 1:24
